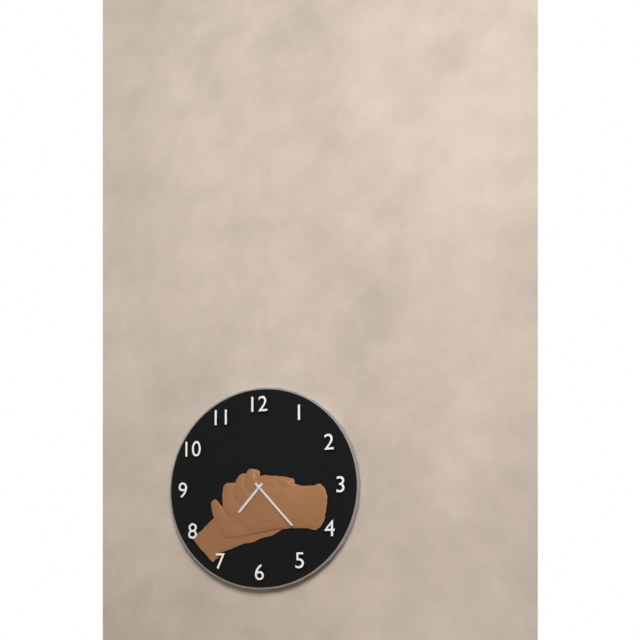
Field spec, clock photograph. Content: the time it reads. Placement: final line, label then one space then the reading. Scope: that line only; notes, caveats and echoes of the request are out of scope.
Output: 7:23
